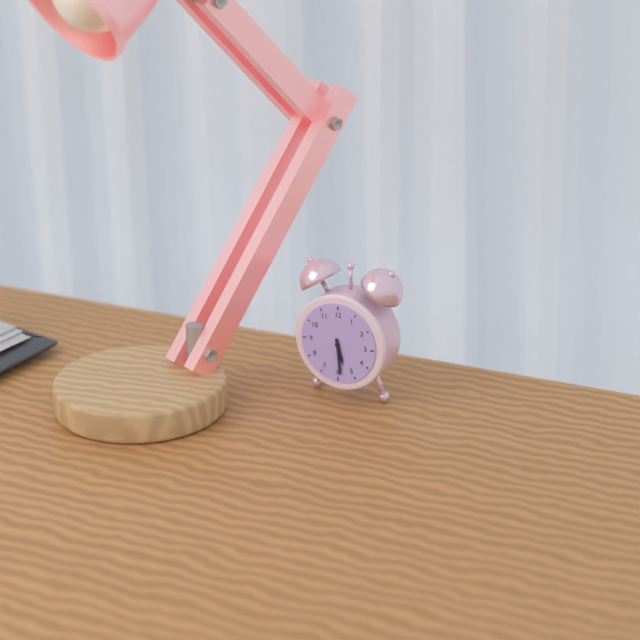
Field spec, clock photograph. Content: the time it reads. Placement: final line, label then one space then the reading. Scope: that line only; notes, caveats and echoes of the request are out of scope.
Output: 5:29
